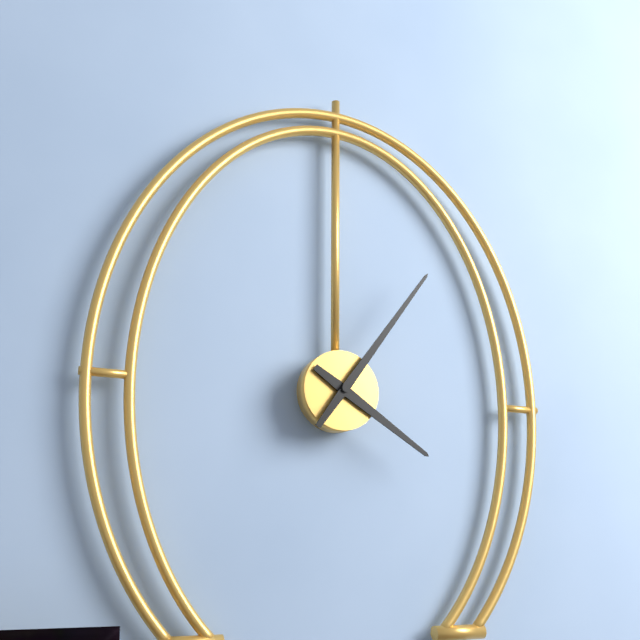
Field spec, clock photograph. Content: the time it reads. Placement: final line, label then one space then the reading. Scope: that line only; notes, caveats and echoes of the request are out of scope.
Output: 4:06
